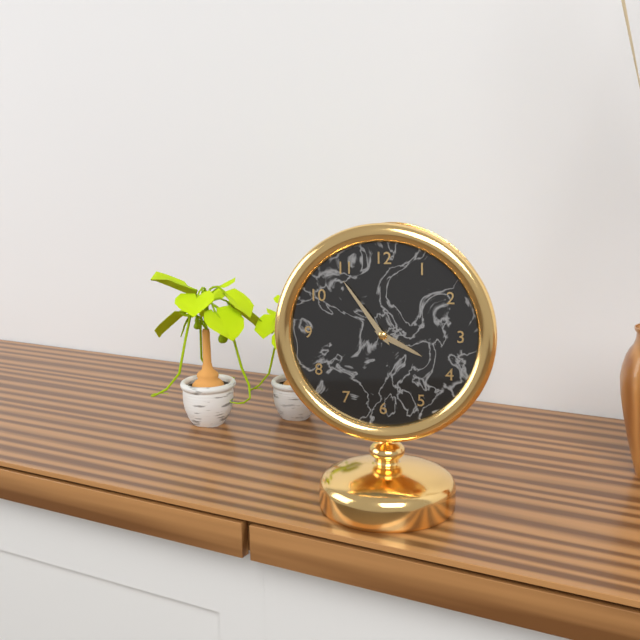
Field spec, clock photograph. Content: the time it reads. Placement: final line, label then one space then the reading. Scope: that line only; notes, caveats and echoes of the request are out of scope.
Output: 3:54
